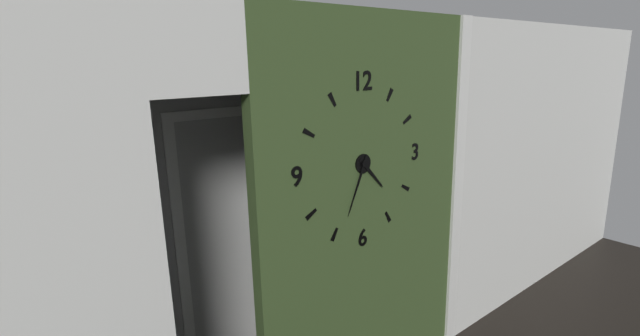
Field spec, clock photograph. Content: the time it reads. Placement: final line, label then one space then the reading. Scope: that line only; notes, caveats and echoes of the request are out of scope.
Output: 4:34
